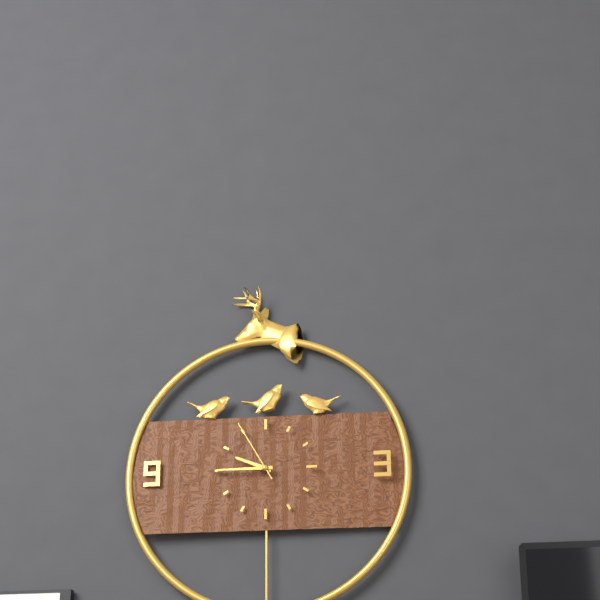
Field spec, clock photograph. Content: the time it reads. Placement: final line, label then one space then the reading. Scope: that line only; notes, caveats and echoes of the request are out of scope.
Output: 9:45:55
